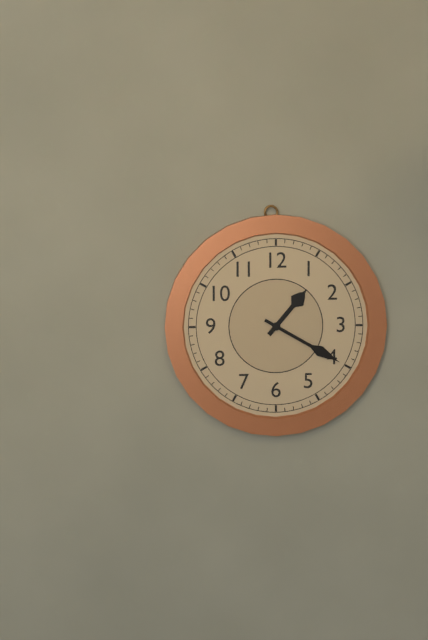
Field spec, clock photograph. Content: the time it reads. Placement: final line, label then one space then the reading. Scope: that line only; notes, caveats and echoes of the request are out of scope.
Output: 1:20
